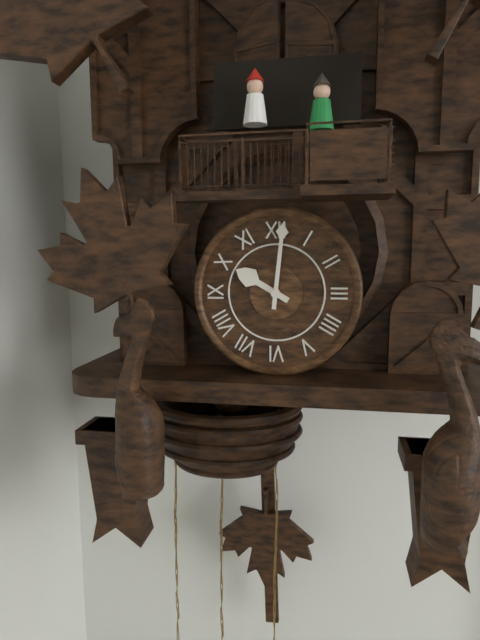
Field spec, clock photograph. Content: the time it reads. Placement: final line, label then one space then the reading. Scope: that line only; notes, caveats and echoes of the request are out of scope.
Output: 10:01
